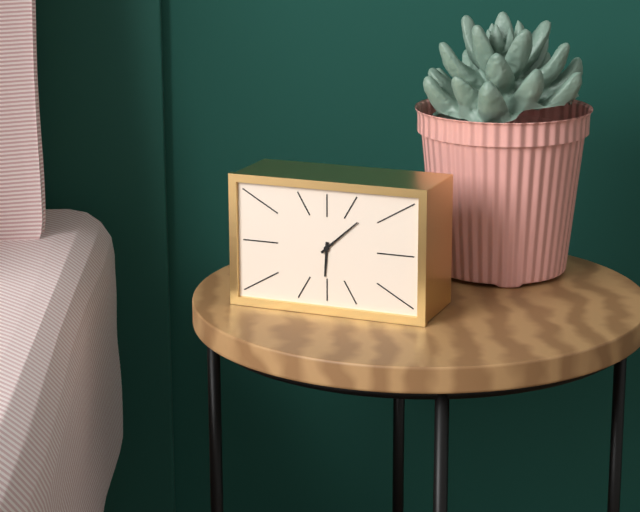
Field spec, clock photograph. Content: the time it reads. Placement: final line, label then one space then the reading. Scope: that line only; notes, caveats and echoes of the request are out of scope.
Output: 6:08
